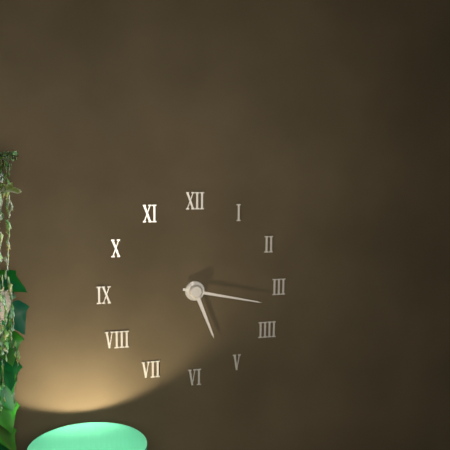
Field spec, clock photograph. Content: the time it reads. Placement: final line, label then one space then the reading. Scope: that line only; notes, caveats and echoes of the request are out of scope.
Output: 5:17
